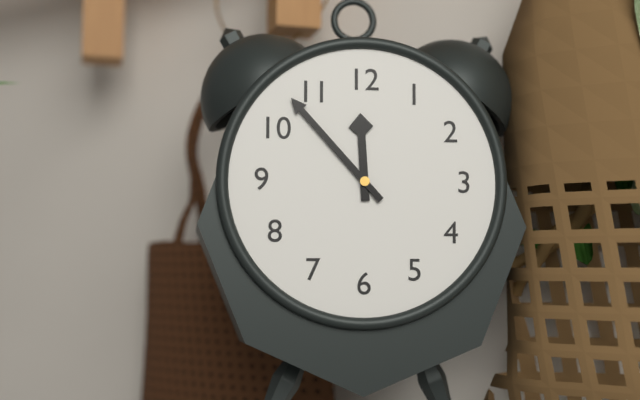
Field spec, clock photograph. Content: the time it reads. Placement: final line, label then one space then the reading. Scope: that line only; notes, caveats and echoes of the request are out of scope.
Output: 11:53
